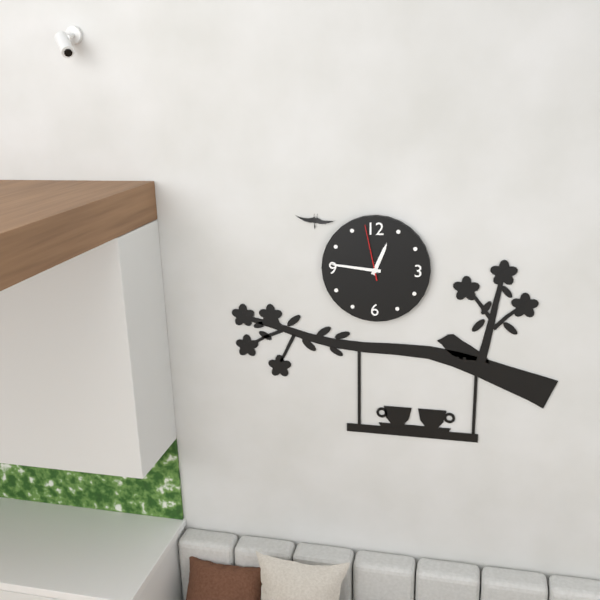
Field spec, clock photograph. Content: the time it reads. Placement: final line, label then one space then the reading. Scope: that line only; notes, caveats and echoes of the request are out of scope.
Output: 12:46:58
